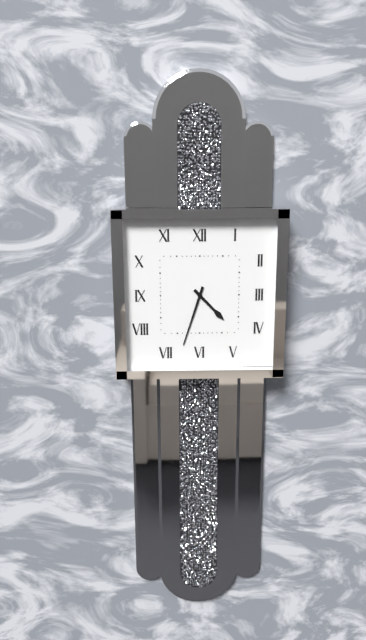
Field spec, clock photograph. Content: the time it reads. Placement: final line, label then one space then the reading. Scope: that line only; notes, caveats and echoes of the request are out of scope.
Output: 4:33
